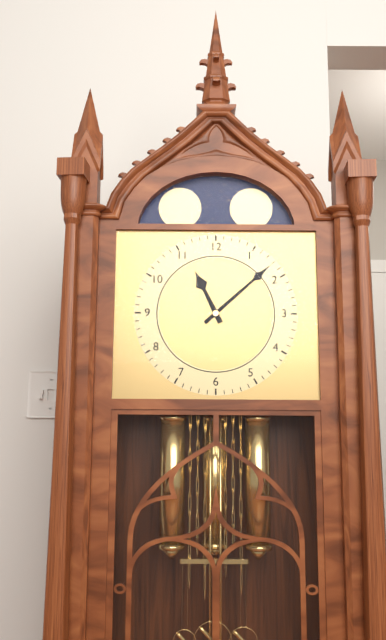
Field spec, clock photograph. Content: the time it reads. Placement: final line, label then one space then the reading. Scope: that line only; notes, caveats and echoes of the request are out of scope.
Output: 11:08
